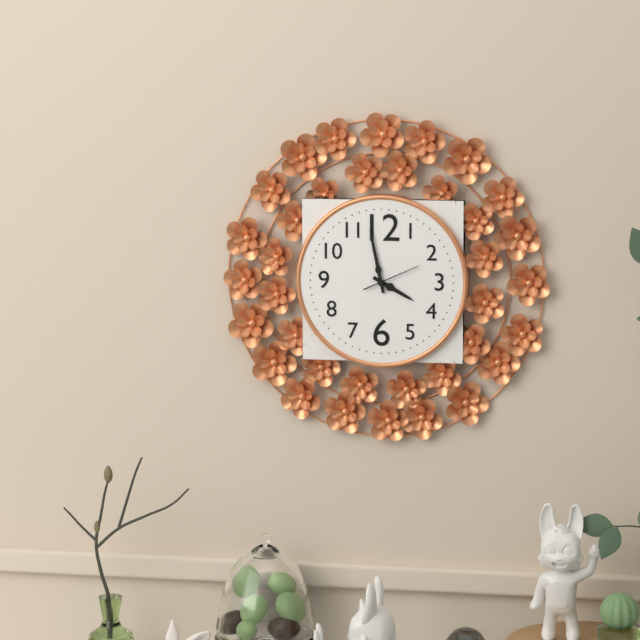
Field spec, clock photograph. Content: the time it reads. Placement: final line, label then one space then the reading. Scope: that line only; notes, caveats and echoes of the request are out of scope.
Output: 3:58:11
